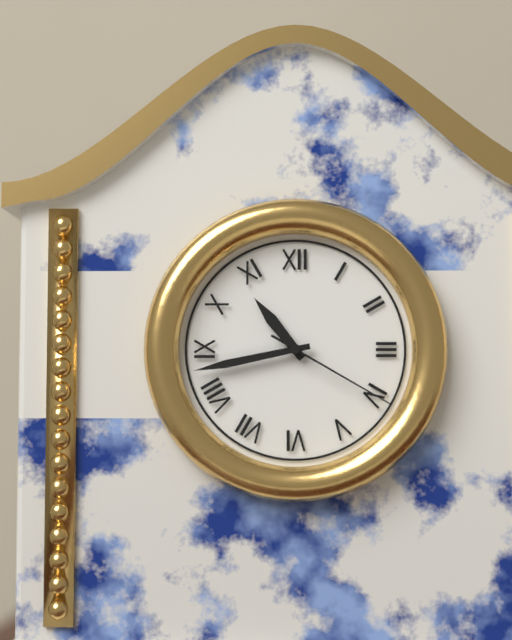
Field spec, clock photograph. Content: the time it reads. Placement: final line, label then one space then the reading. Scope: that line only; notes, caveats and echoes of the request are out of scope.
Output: 10:43:20
